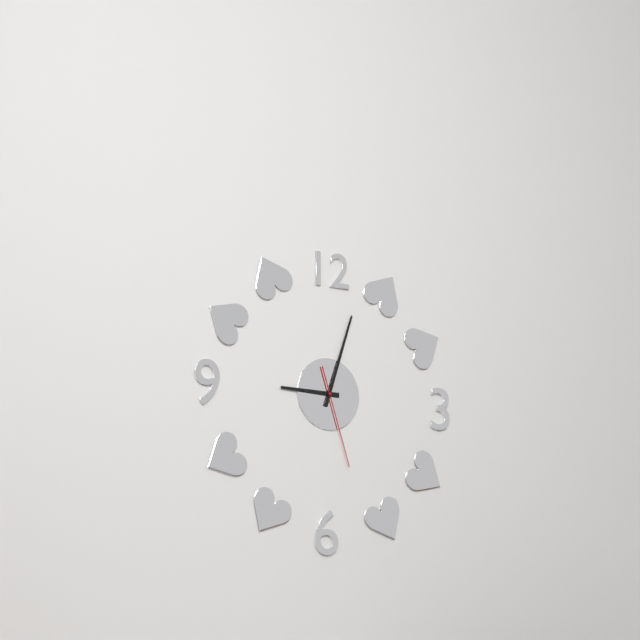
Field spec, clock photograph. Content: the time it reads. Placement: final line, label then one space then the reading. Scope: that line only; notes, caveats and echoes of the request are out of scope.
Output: 9:03:27
